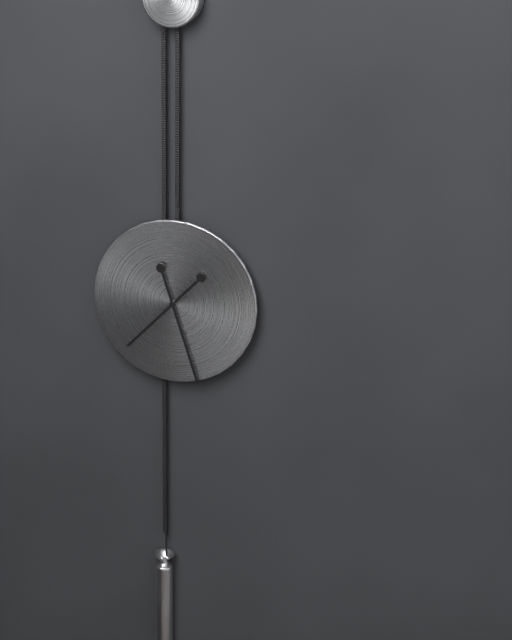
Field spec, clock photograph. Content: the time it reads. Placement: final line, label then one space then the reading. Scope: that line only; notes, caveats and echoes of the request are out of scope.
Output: 7:27
